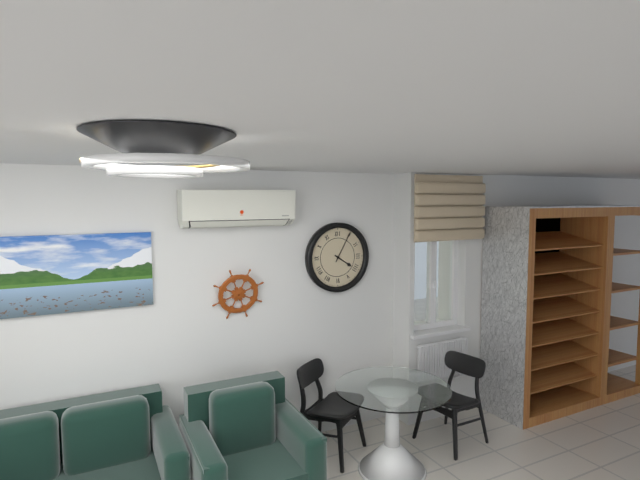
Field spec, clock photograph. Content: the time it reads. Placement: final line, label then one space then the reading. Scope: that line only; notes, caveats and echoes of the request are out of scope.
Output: 4:05
